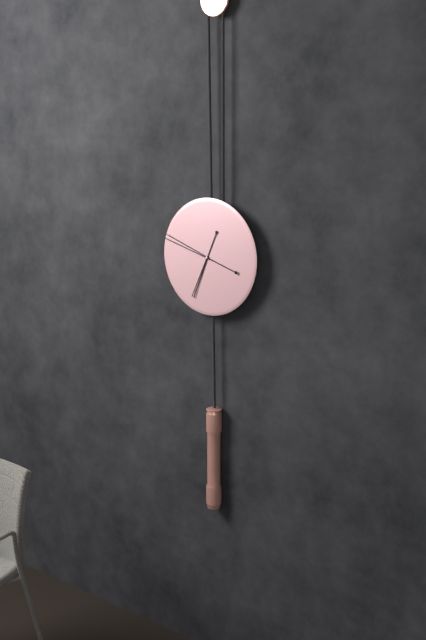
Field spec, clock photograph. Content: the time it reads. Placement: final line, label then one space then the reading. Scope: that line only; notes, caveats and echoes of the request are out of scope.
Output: 6:48
